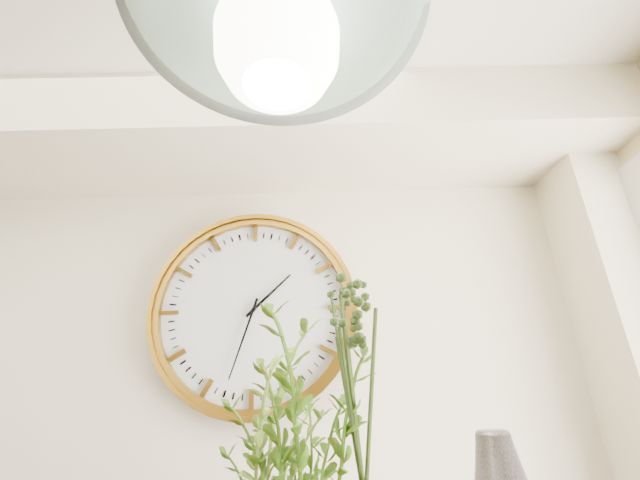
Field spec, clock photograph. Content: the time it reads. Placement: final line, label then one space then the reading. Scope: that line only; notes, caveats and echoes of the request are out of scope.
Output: 1:33
